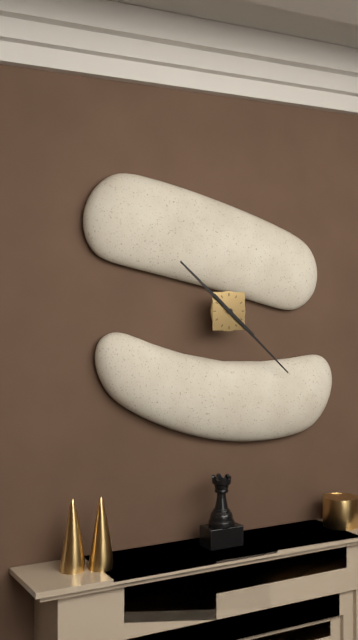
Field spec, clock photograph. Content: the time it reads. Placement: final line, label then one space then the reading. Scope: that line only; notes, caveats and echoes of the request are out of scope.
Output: 10:22
